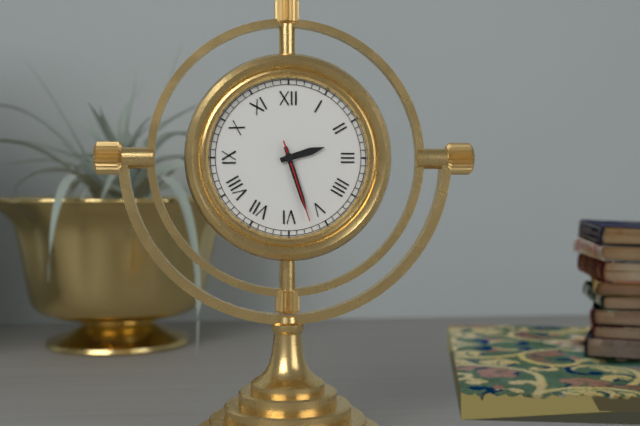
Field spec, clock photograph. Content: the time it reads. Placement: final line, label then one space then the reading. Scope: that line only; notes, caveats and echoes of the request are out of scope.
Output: 2:27:27
